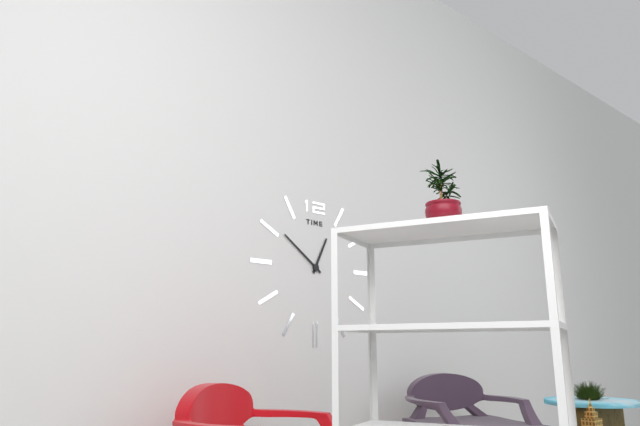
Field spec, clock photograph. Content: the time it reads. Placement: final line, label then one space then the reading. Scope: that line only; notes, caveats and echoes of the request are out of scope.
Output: 12:51
